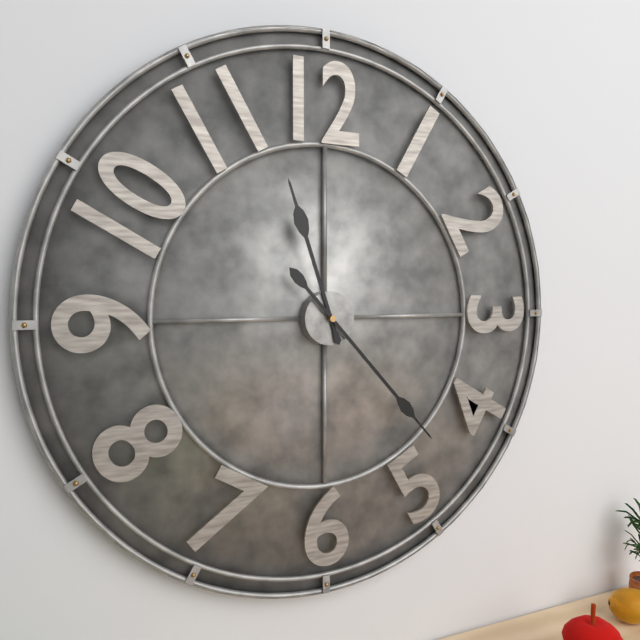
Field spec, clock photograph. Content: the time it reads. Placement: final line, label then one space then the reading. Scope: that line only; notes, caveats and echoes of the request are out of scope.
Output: 11:23
